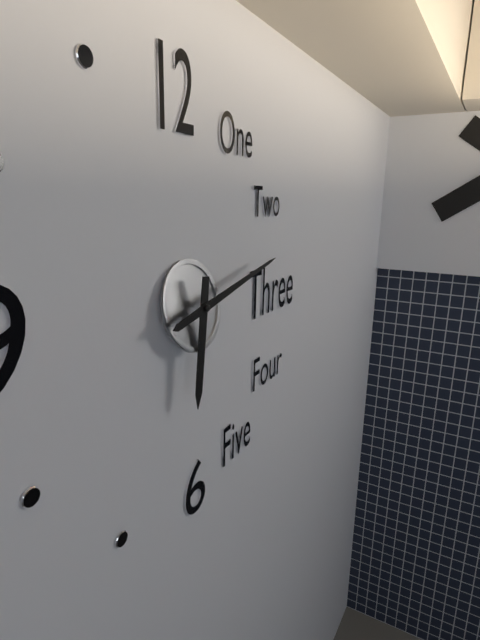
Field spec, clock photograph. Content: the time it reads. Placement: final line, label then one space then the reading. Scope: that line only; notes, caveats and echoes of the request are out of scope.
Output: 6:13
